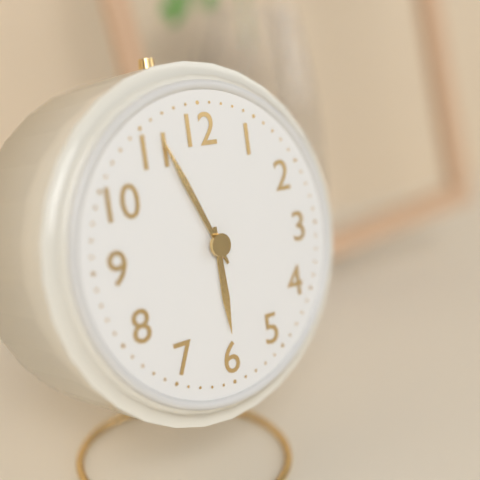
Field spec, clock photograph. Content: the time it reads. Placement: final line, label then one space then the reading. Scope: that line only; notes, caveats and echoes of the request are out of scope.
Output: 5:56
